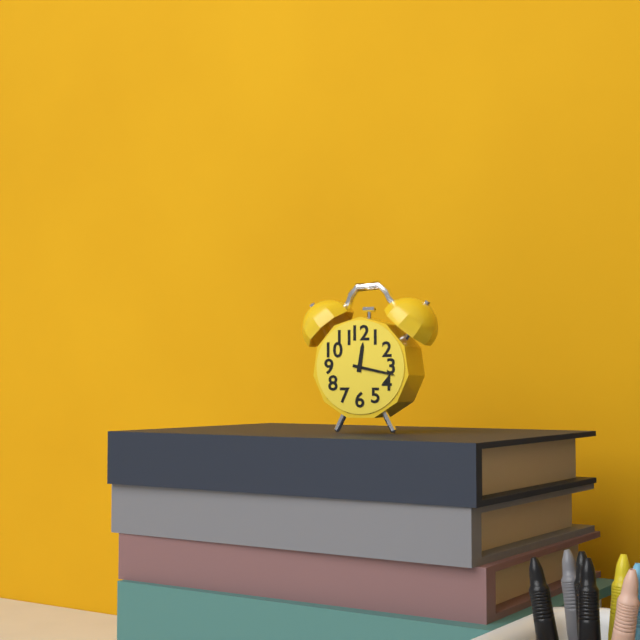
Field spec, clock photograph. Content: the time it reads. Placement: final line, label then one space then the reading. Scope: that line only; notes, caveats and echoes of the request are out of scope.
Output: 12:17
